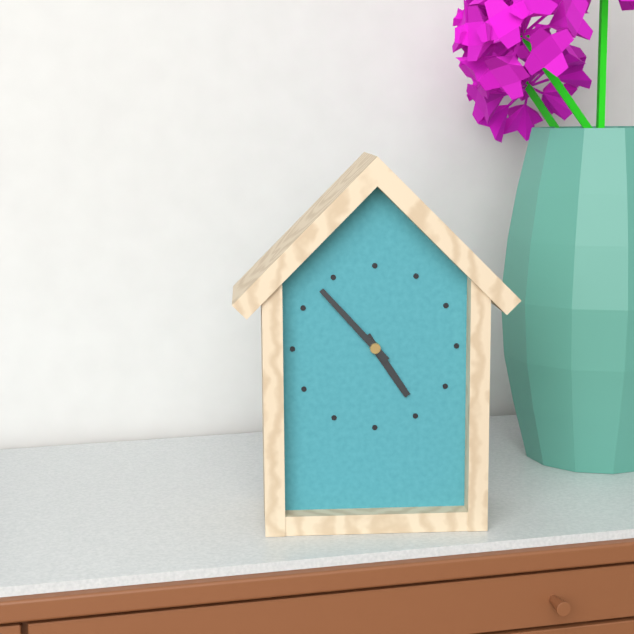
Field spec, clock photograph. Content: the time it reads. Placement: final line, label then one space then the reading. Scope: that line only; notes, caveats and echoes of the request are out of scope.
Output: 4:53
